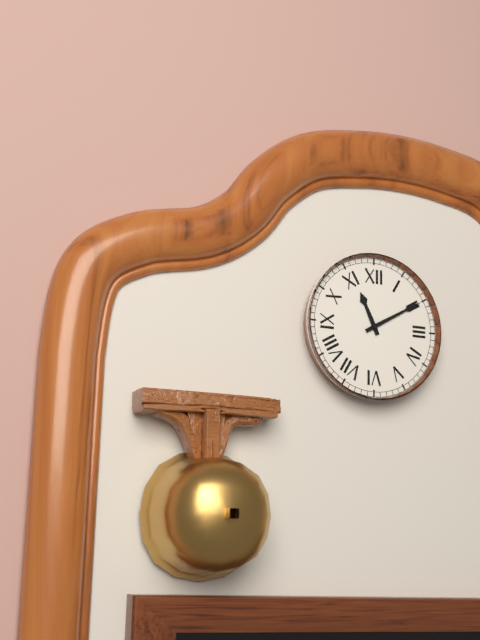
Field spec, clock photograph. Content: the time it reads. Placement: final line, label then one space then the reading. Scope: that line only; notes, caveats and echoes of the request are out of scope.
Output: 11:10
